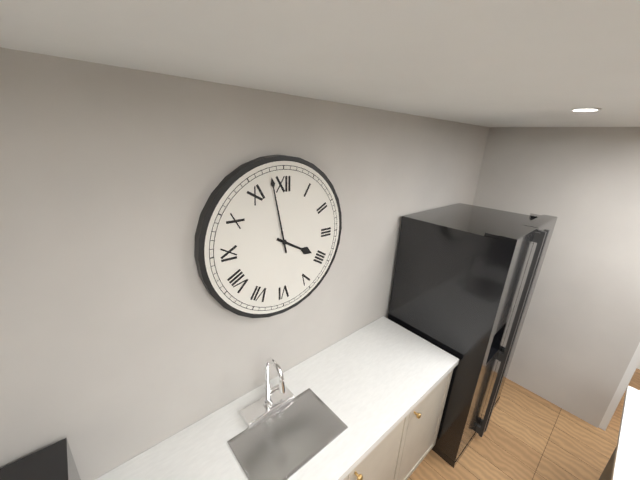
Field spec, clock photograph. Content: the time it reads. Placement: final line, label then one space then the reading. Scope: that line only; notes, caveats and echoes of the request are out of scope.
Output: 3:58
